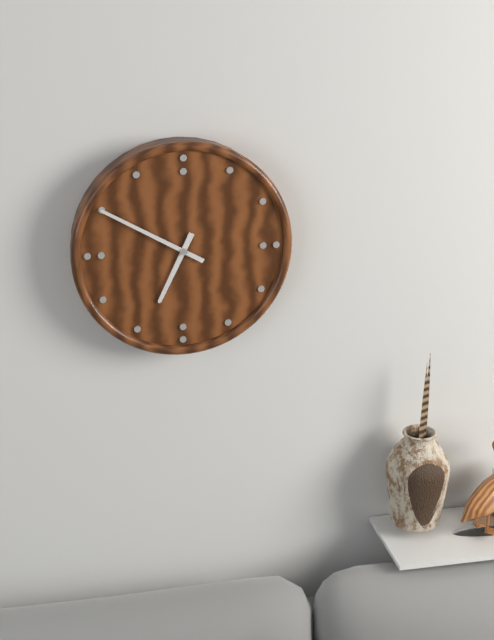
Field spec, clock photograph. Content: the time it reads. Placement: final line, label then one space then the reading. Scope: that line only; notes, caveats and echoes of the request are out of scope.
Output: 6:50
